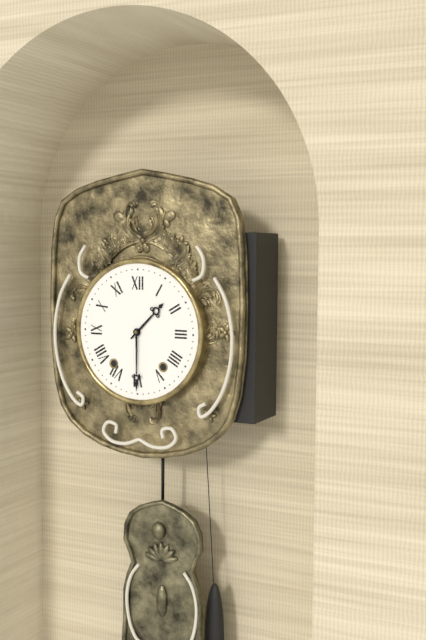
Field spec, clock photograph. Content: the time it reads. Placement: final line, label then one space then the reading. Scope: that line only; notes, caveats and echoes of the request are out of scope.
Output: 1:30
